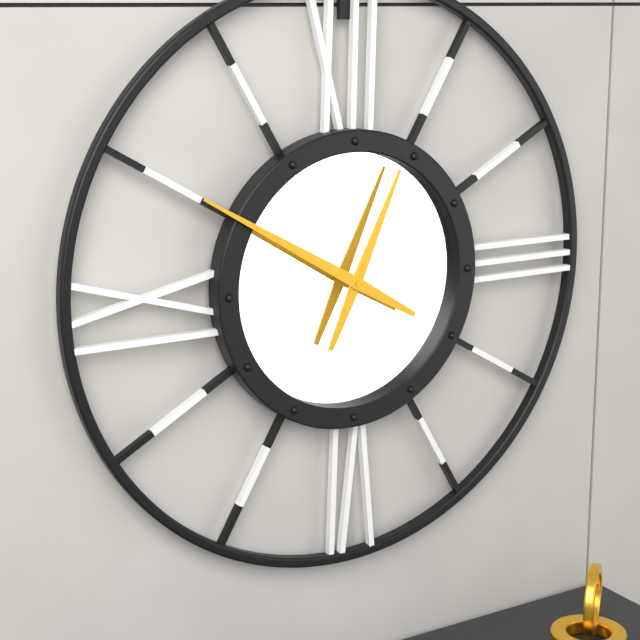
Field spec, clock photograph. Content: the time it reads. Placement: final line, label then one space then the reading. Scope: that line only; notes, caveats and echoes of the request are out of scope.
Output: 12:50
